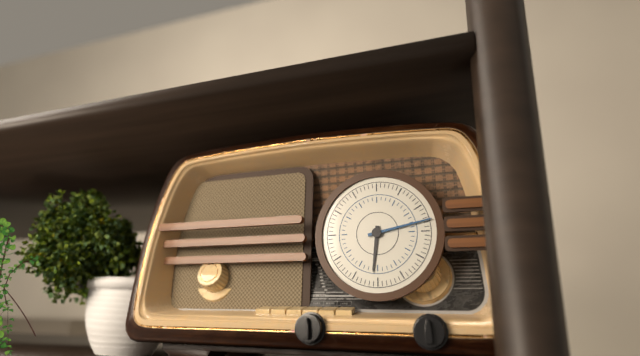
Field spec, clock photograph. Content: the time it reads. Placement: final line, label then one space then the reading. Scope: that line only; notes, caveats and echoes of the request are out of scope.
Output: 6:13
